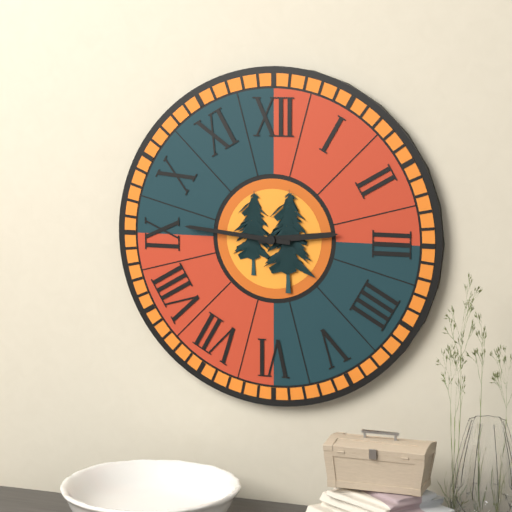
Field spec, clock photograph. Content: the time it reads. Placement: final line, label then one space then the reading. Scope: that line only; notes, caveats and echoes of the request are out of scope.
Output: 2:46
